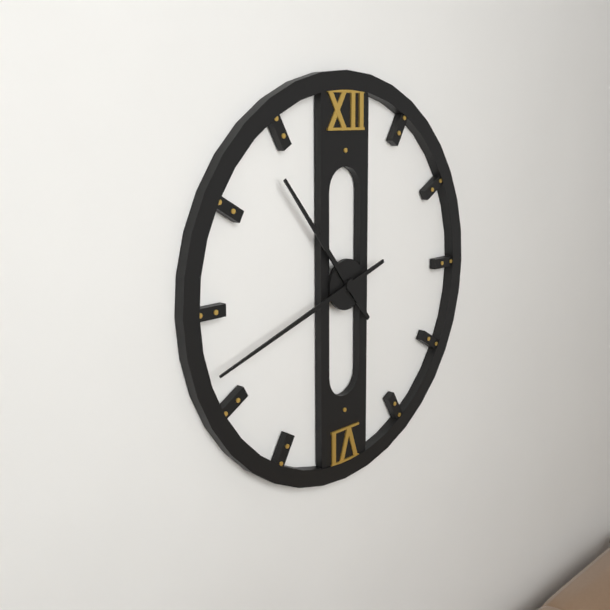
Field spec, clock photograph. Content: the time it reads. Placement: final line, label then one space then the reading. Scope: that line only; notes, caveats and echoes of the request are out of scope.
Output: 10:42
